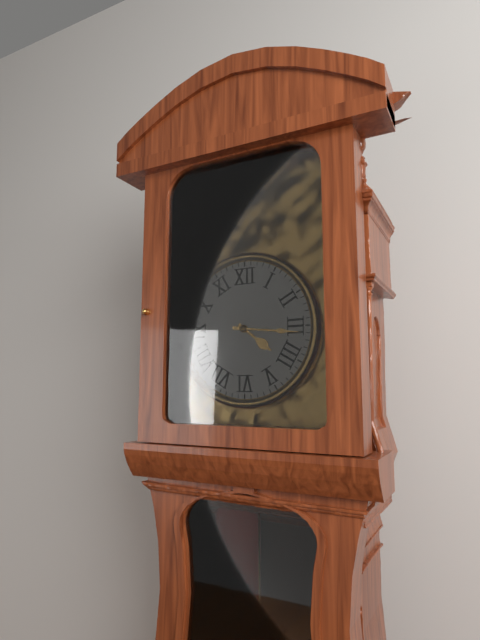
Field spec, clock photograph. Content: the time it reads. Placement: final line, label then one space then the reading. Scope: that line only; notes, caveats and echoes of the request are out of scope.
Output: 4:16
